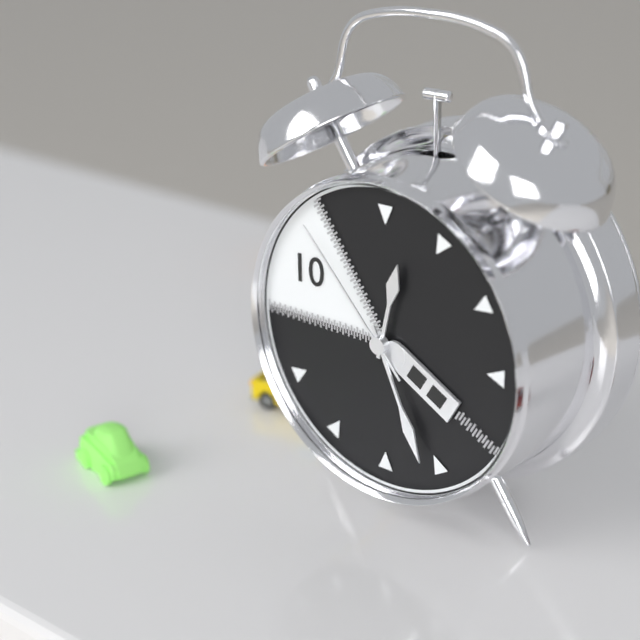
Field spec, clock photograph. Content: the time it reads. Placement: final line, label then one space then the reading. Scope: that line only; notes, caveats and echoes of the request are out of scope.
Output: 12:26:53
